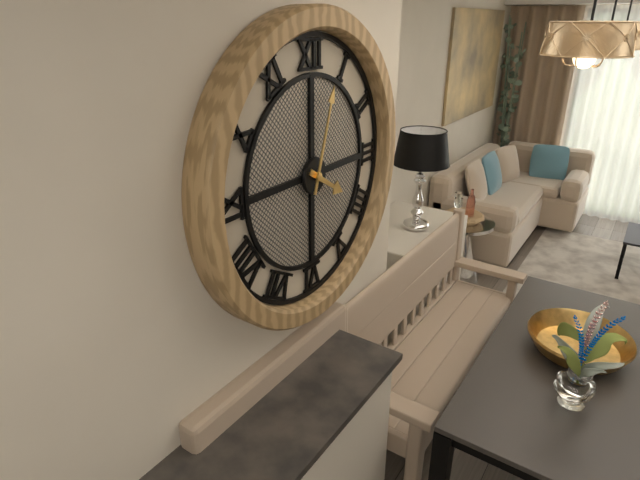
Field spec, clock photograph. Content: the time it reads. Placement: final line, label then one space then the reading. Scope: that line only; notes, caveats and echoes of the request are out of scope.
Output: 4:03
